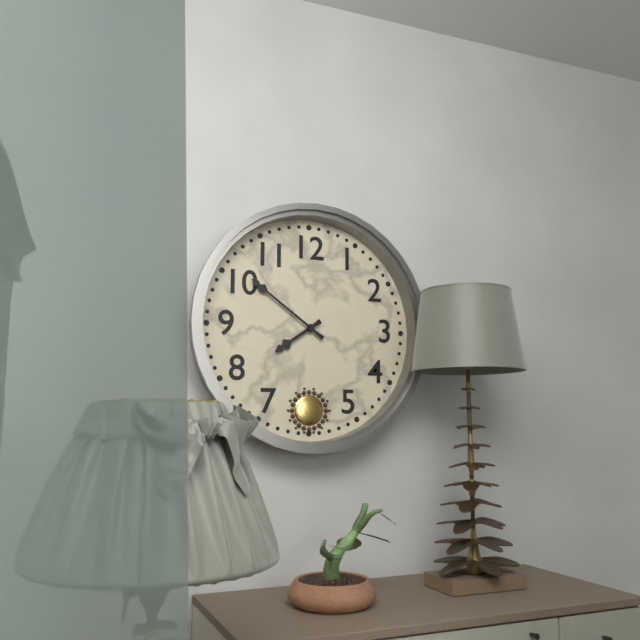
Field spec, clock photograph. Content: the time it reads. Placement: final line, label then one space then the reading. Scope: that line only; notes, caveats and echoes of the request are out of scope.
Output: 7:51
